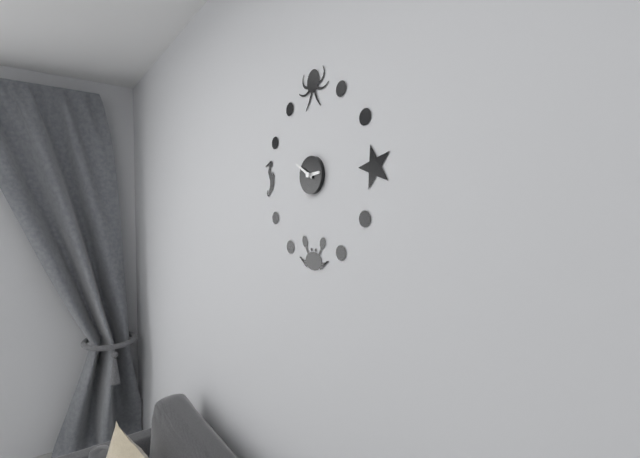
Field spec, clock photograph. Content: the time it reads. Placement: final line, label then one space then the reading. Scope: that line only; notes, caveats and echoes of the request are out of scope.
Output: 2:50
